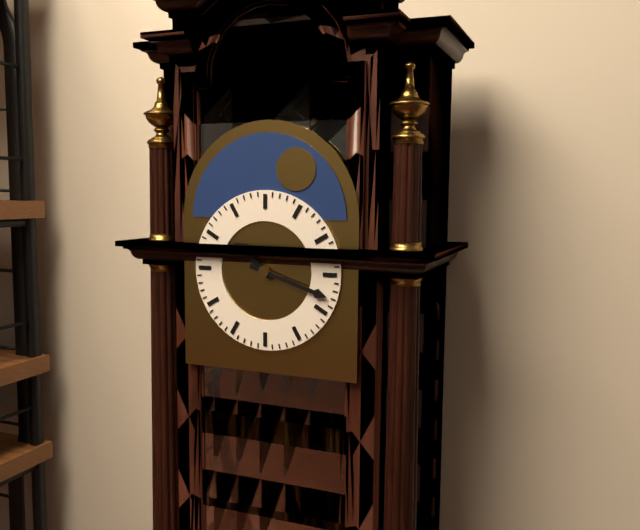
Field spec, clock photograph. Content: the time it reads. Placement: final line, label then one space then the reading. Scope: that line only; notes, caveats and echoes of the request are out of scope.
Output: 10:18
